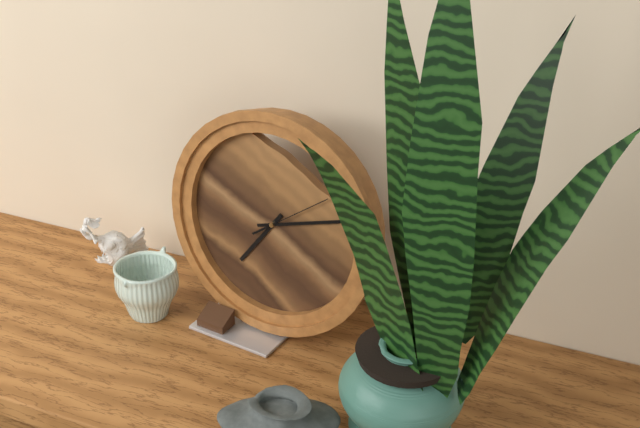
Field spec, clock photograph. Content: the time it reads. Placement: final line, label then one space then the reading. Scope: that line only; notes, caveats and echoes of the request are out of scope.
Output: 7:12:09
